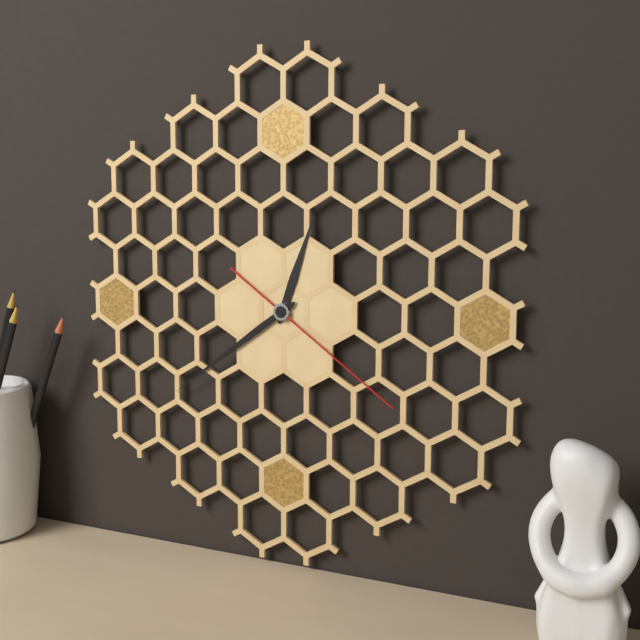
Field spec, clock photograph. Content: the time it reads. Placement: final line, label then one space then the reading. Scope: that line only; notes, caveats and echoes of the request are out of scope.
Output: 12:39:21
